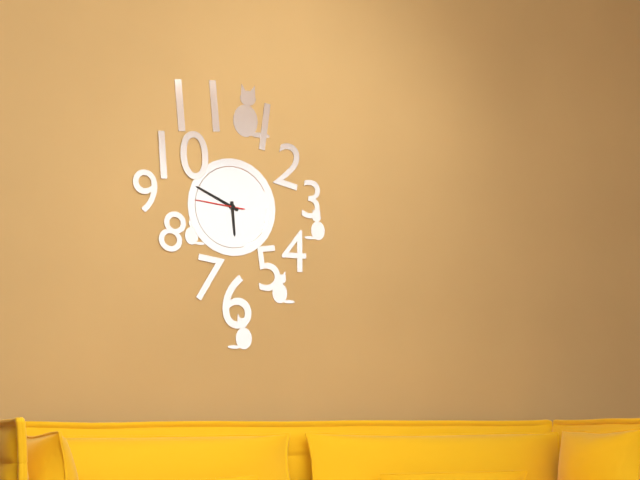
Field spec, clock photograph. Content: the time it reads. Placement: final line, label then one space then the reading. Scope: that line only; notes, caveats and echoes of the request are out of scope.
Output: 5:49
